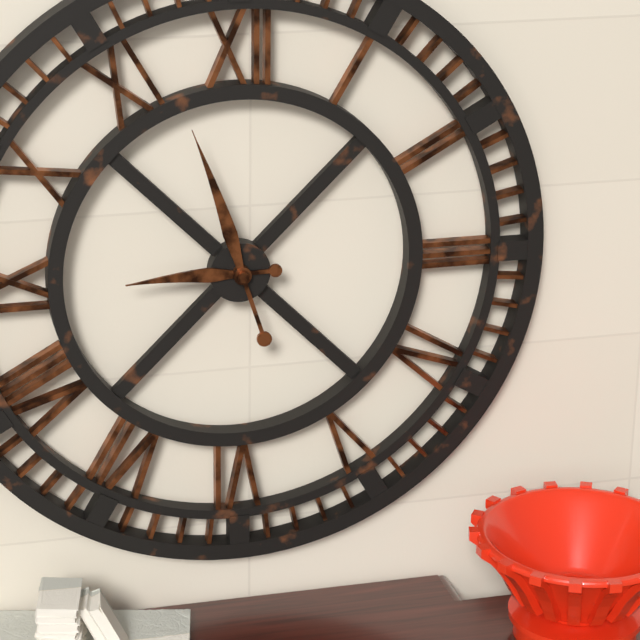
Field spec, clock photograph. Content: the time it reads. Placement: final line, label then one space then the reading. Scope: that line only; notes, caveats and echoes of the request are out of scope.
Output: 8:57
